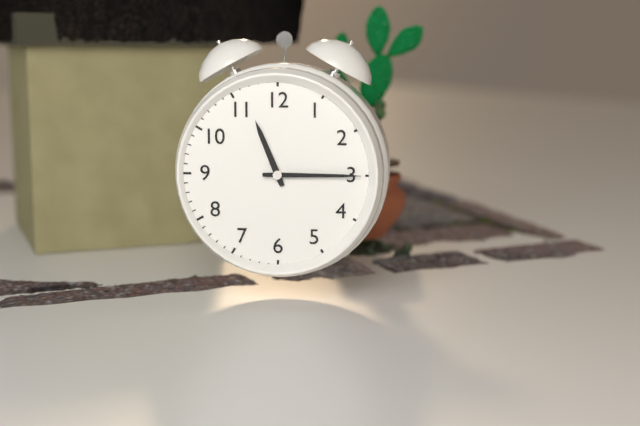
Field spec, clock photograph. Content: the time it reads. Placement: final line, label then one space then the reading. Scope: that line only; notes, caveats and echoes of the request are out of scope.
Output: 11:15
